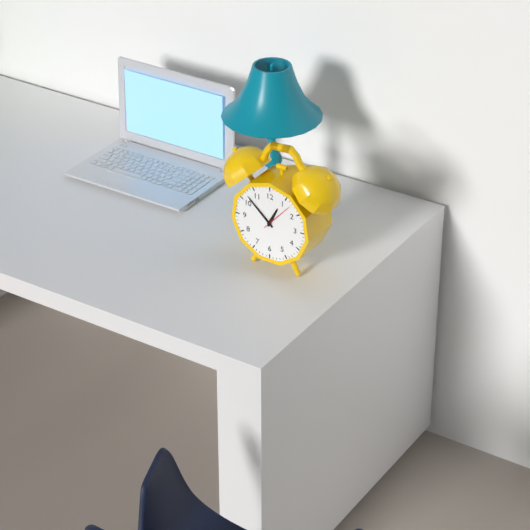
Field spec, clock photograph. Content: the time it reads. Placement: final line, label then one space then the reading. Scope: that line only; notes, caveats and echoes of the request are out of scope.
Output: 12:52
